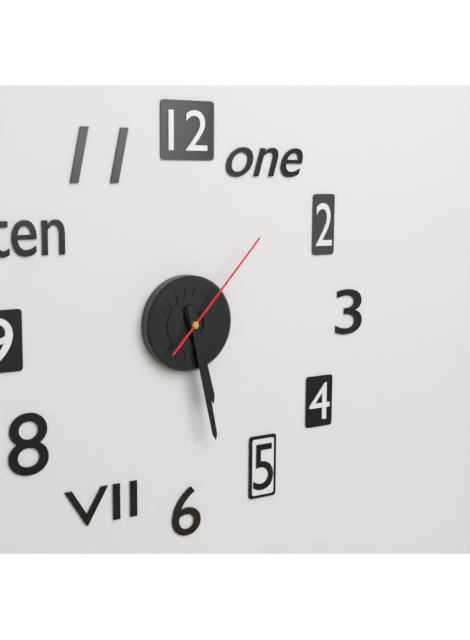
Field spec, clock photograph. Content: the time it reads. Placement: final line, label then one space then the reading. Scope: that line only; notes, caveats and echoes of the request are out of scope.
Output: 5:28:07
